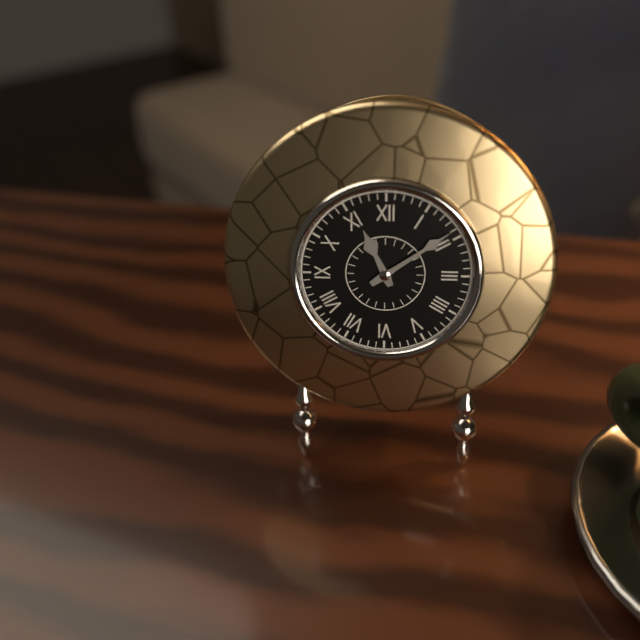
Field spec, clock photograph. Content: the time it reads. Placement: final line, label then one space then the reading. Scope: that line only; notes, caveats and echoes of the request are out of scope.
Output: 11:09
